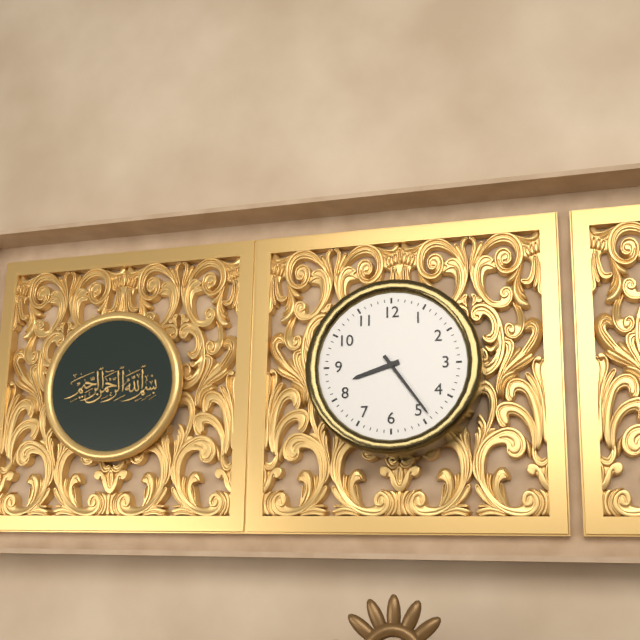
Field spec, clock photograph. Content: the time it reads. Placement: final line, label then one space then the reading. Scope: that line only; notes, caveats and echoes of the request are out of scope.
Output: 8:24
